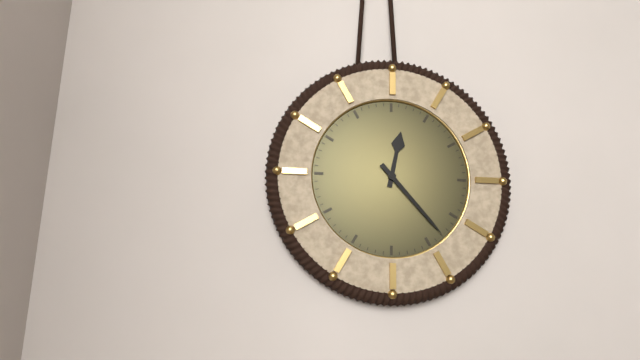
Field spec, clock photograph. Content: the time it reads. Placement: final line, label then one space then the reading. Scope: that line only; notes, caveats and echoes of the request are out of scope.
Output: 12:23
